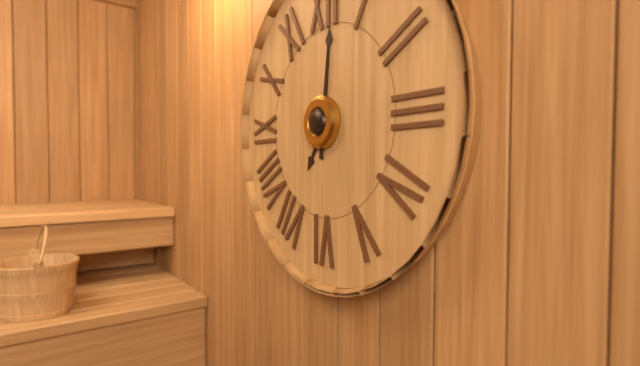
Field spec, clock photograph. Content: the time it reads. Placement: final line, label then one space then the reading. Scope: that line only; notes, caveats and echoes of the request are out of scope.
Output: 7:01
